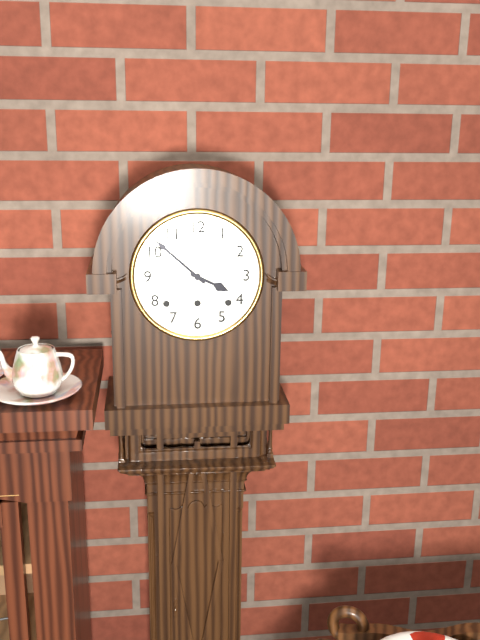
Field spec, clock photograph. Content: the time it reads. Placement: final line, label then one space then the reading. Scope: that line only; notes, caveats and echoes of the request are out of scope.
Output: 3:52
